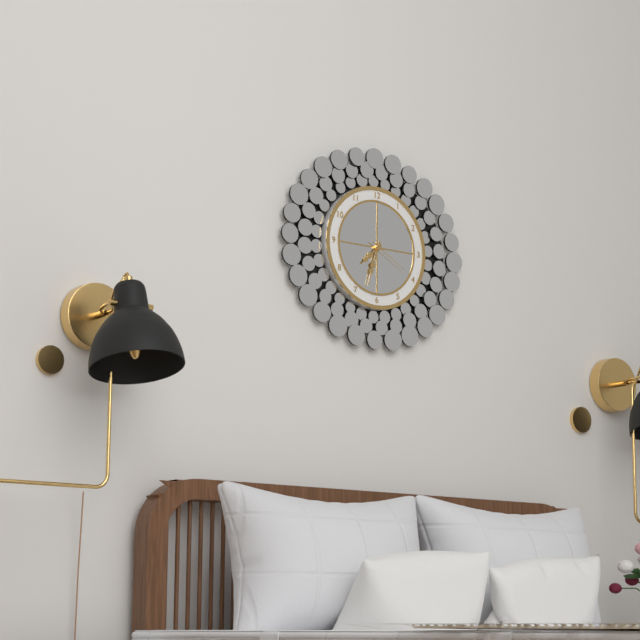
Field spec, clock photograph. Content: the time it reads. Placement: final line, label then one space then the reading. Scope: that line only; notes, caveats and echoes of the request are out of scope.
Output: 7:33
